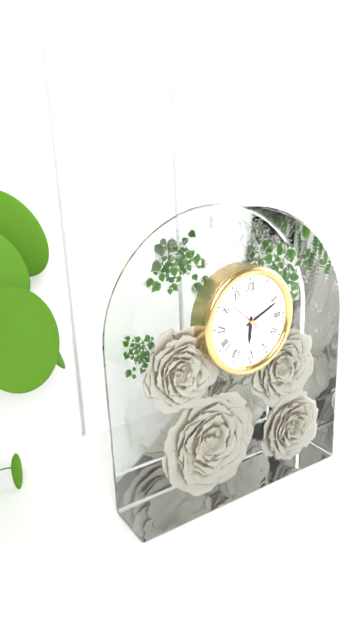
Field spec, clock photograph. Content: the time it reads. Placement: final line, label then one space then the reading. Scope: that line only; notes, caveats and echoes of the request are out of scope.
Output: 6:11
